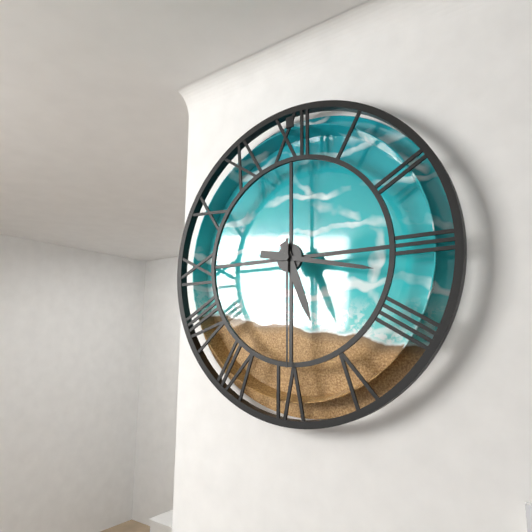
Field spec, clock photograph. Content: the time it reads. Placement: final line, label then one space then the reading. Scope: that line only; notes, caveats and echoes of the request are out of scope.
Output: 5:17:30
